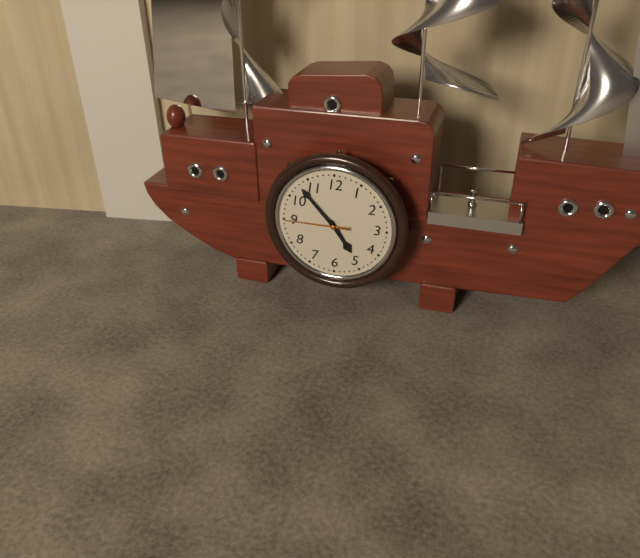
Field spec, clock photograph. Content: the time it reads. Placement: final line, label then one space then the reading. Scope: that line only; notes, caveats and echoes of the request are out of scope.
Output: 4:53:45
